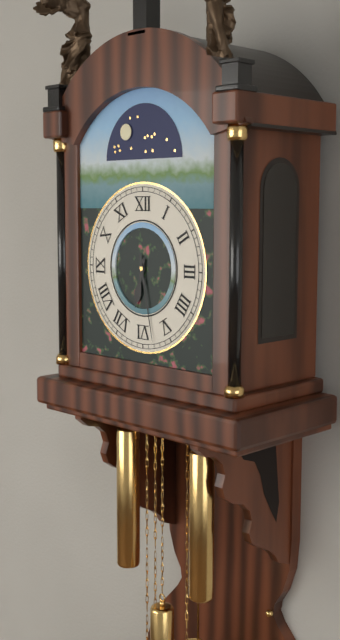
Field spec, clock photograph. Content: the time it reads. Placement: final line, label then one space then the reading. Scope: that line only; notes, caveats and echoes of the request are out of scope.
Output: 6:28
